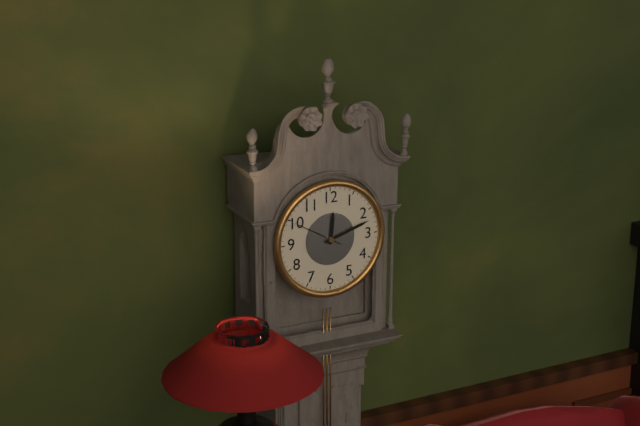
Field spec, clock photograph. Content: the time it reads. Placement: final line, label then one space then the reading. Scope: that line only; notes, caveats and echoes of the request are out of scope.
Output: 12:12:50
